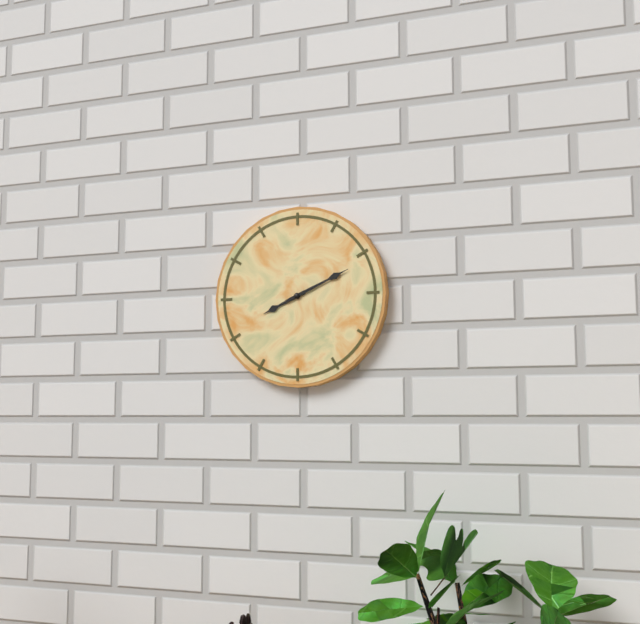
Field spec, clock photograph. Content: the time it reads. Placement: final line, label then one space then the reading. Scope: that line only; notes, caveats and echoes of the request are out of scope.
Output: 8:11
